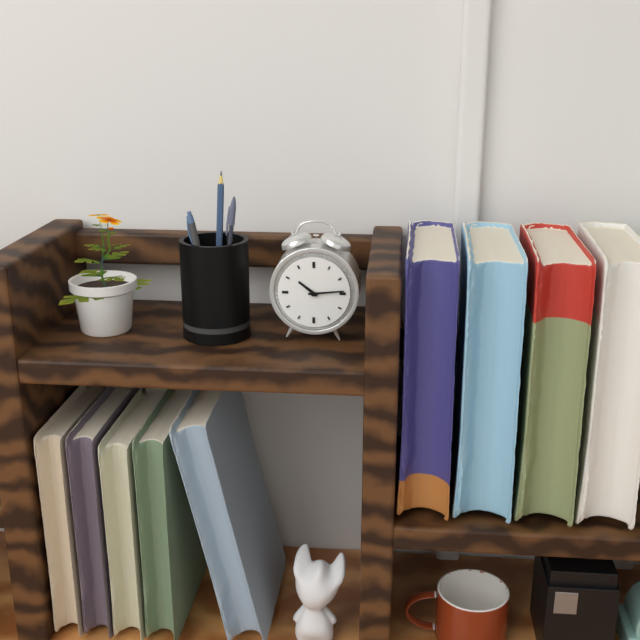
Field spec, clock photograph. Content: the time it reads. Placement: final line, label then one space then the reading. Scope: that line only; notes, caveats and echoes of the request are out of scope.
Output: 10:14
